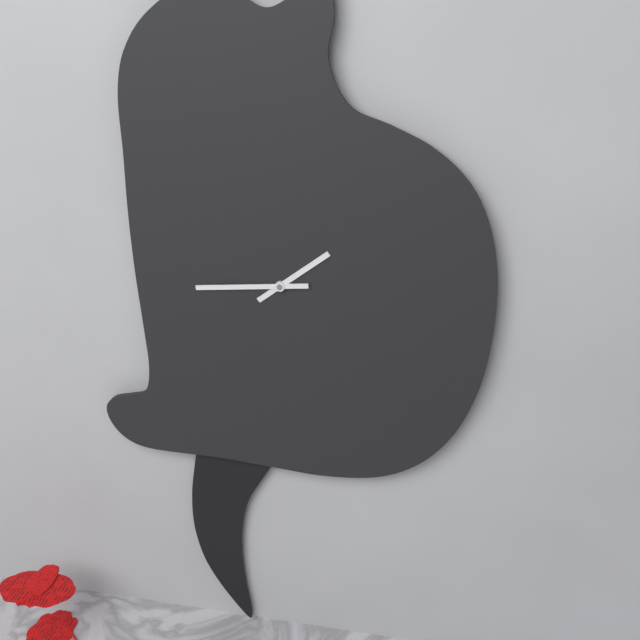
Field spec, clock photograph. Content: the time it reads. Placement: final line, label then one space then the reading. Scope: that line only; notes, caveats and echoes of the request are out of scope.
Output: 1:44
